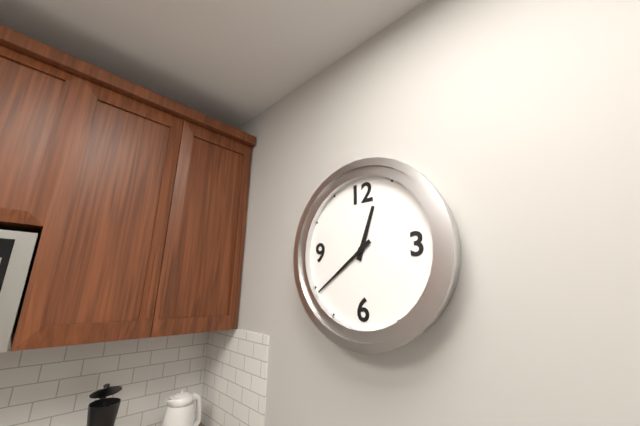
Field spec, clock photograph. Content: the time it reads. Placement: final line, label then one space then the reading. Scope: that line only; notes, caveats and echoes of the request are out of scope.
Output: 12:39
